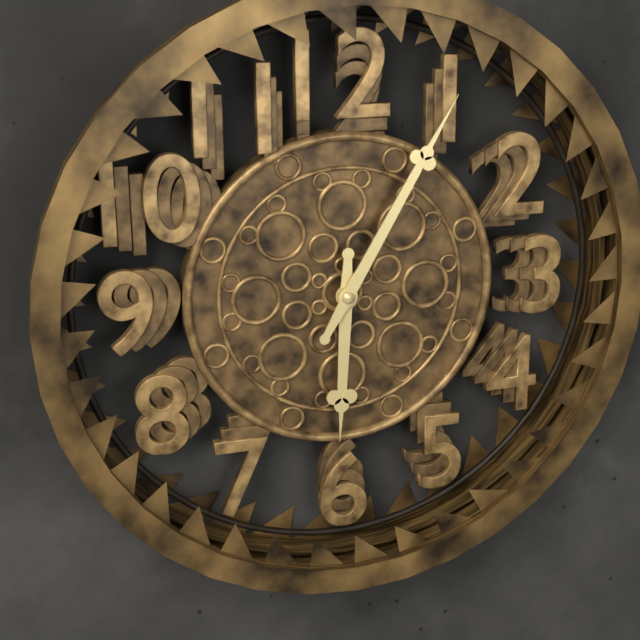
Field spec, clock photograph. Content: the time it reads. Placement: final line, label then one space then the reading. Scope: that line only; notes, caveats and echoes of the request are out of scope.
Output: 6:05
